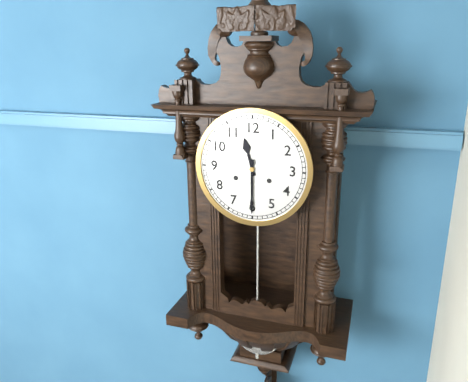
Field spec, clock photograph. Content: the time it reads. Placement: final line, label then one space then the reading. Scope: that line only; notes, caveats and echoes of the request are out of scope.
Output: 11:30
